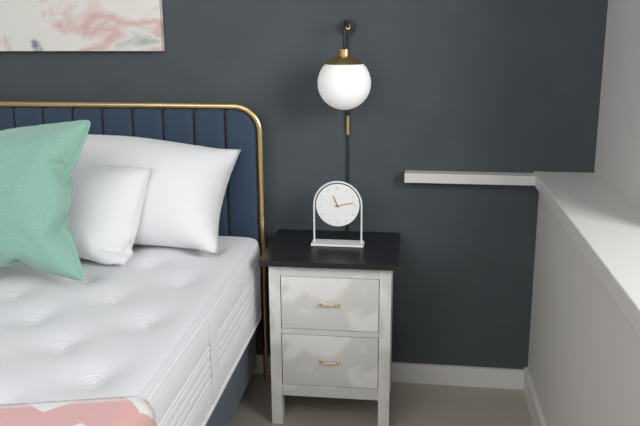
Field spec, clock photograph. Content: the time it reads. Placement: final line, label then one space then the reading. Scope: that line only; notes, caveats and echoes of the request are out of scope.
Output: 11:13
